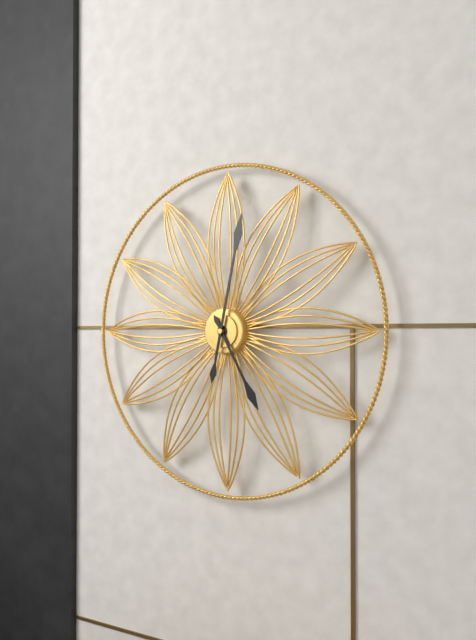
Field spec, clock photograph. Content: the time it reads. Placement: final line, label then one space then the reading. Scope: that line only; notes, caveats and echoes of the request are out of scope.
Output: 5:02
